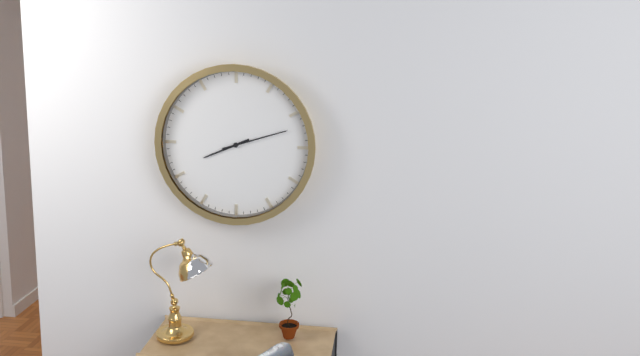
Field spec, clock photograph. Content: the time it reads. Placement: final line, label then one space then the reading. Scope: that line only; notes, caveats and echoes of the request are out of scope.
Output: 8:12
